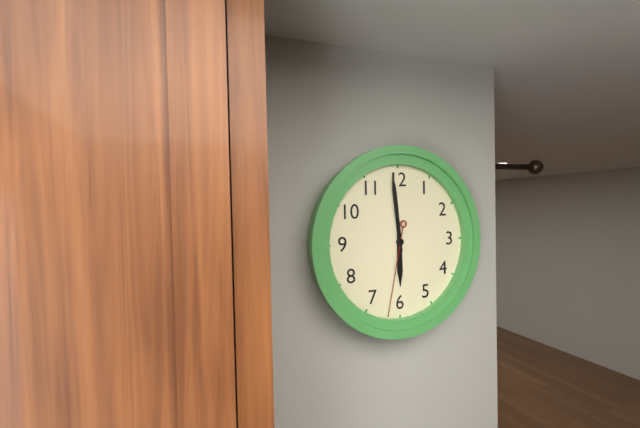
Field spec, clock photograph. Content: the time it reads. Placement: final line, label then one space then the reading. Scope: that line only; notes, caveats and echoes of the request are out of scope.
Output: 5:59:32
